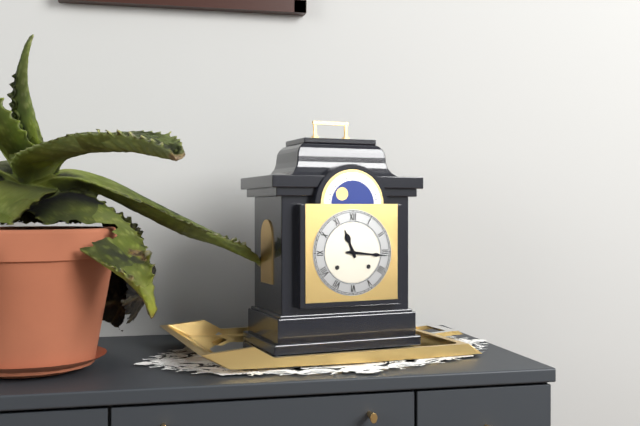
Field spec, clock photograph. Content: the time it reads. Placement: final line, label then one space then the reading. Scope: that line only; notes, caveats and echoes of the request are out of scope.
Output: 11:16
